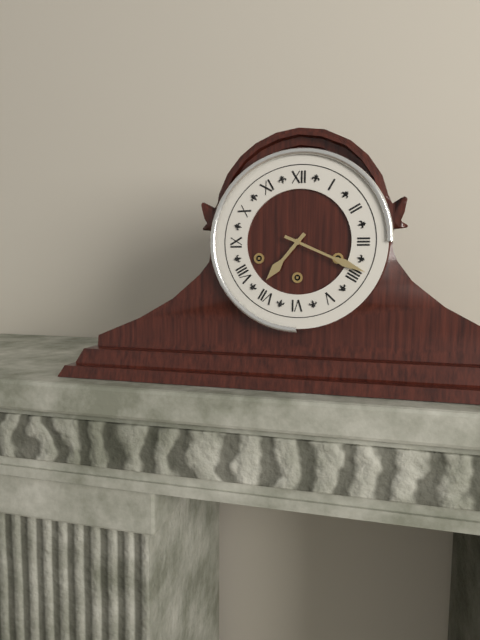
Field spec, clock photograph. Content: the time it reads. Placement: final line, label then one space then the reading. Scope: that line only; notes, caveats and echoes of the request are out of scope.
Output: 7:19
